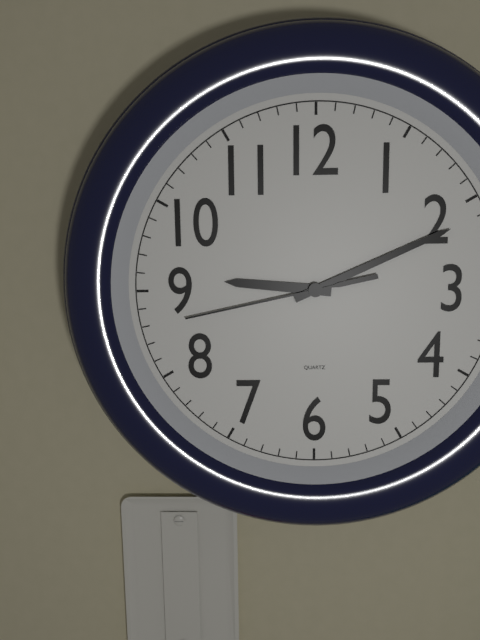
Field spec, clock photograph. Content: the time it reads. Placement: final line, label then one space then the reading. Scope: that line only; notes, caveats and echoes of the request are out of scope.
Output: 9:11:43
